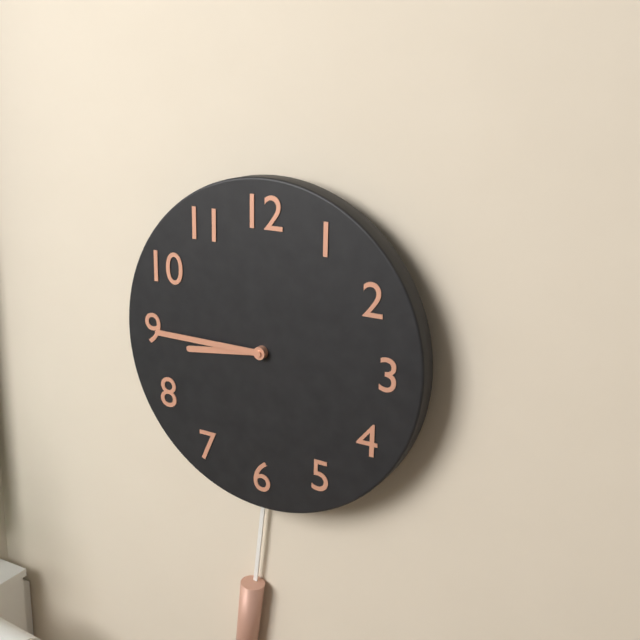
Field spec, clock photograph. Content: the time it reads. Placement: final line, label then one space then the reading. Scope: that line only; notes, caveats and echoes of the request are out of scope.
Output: 8:45
